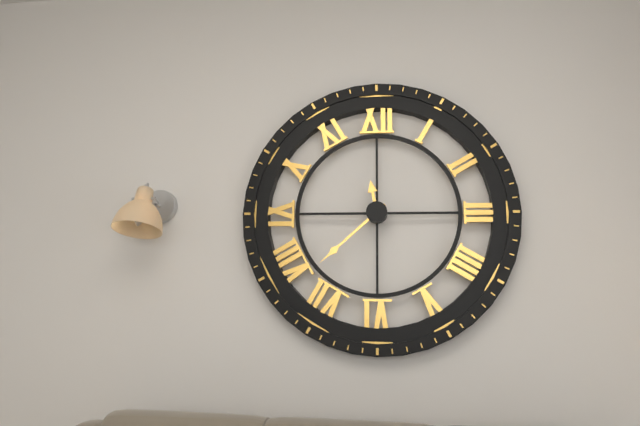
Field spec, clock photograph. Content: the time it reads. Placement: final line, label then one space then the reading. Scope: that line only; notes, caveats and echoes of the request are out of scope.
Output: 11:38
